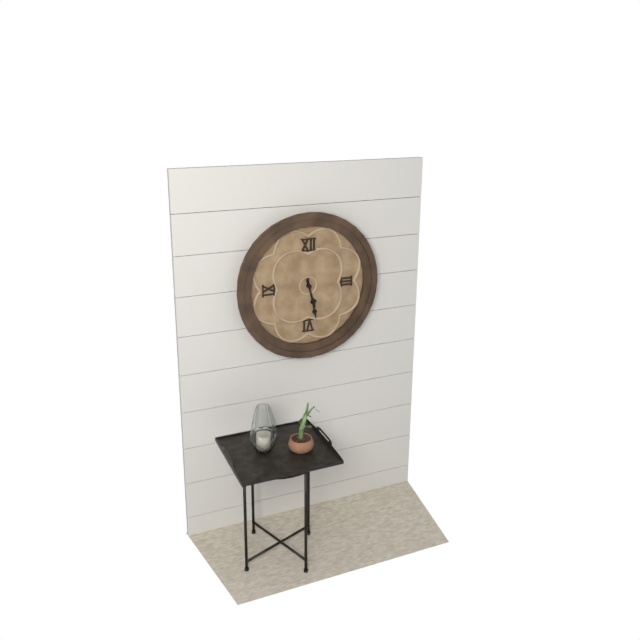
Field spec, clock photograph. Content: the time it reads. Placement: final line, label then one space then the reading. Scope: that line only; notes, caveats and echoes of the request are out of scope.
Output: 5:28
